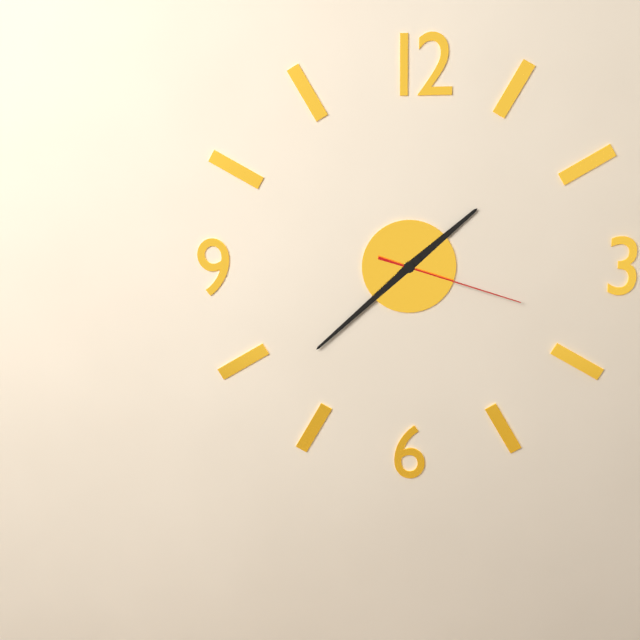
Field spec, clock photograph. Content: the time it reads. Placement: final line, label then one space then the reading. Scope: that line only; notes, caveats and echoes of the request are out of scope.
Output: 1:38:18
